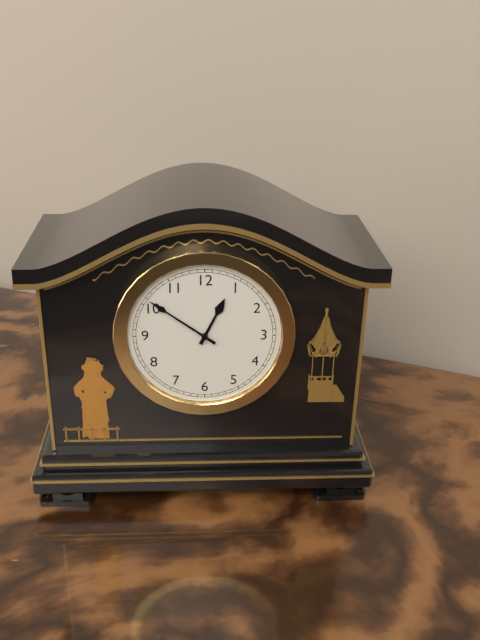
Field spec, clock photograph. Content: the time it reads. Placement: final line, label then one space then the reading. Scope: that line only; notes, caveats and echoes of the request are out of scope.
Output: 12:51
